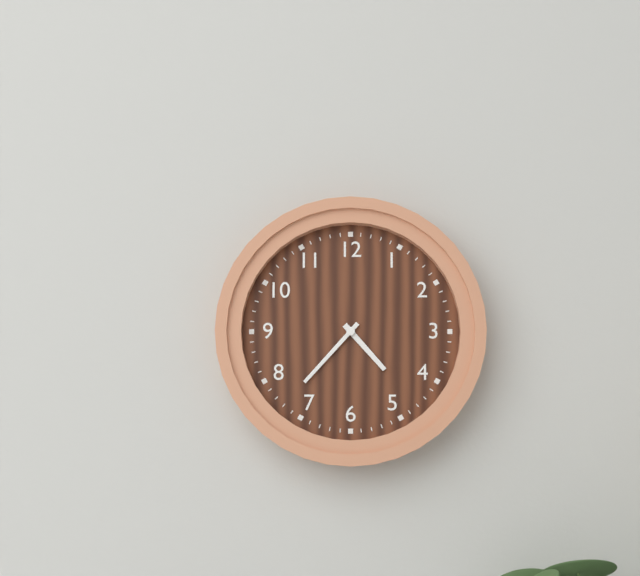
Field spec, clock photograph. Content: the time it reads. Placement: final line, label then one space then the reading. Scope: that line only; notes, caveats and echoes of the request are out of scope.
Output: 4:37
